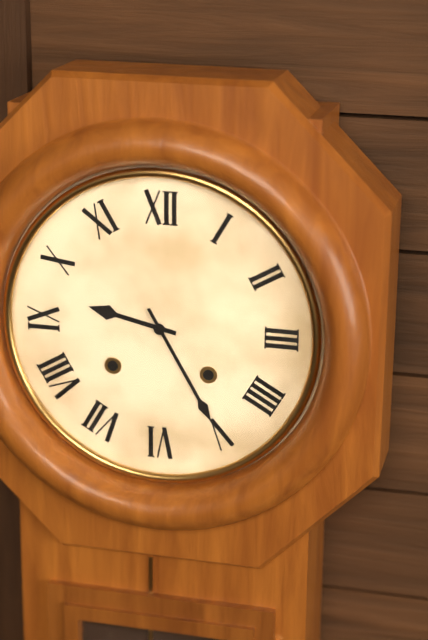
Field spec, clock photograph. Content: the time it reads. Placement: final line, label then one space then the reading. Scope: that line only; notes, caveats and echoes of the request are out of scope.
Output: 9:25
